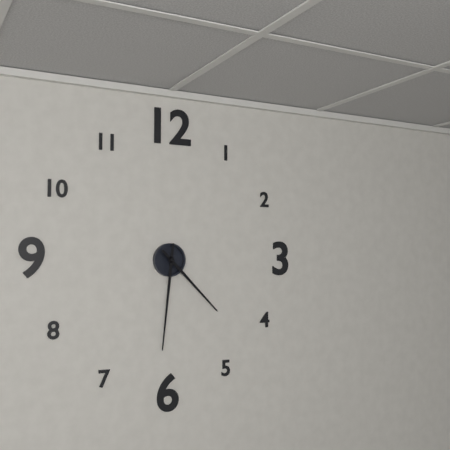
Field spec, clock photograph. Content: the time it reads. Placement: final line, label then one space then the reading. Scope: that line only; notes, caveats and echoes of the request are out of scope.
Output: 4:31
